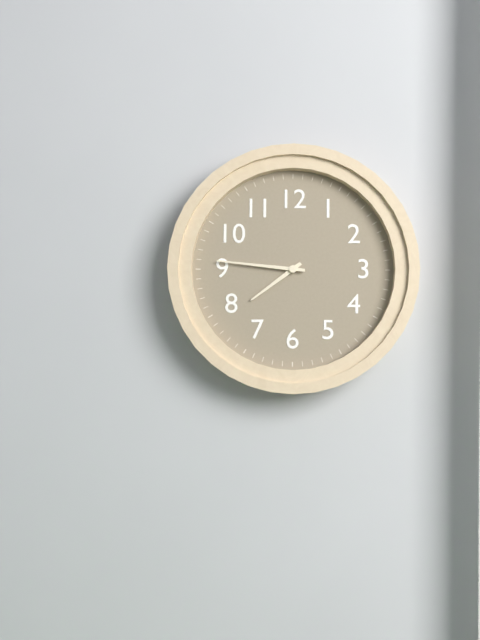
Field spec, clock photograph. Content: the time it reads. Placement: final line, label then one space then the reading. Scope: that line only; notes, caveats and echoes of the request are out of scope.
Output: 7:46
